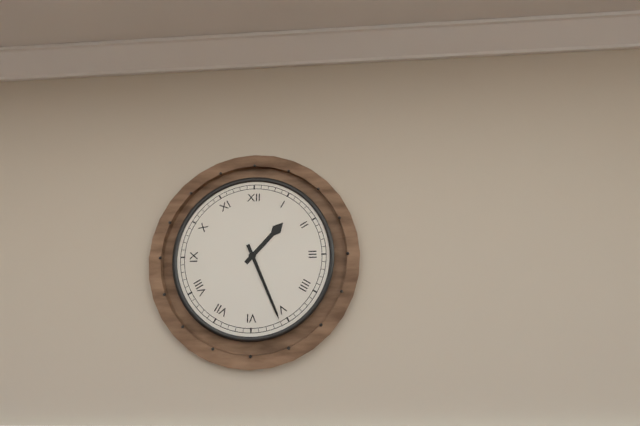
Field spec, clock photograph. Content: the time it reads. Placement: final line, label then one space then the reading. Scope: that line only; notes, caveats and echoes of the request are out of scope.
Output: 1:26
